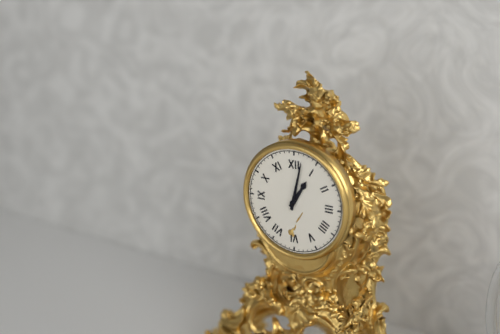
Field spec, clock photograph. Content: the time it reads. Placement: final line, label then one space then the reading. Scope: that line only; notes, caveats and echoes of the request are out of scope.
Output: 1:02
